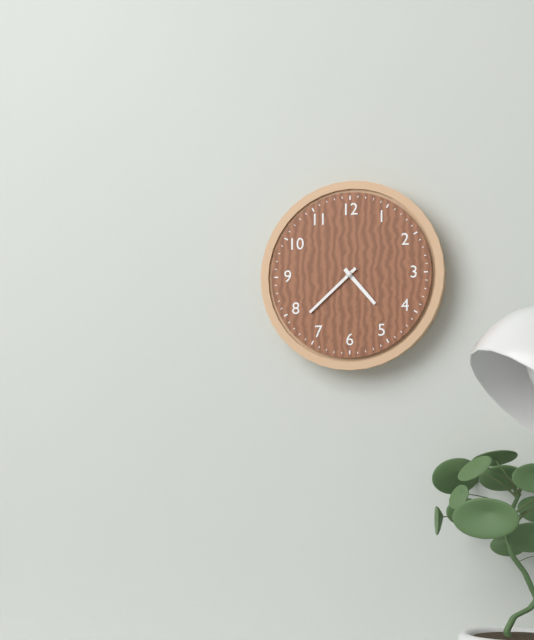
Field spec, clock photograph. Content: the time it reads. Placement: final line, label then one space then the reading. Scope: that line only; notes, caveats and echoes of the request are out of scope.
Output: 4:38
